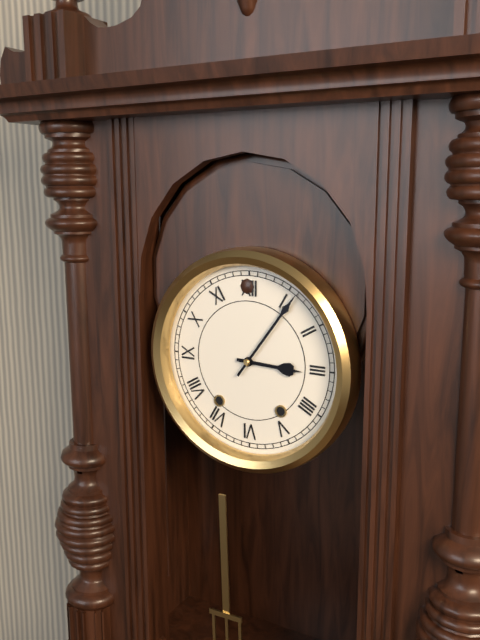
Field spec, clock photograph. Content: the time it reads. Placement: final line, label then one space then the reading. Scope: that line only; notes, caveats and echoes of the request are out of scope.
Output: 3:06
